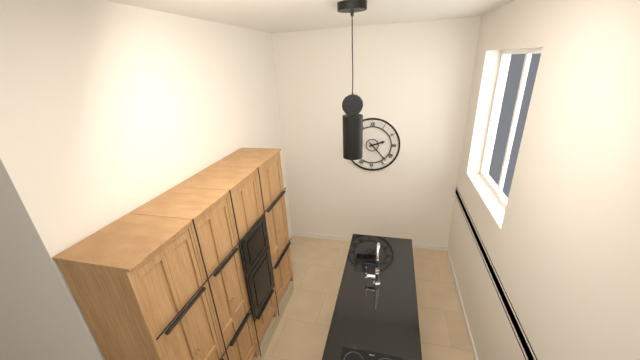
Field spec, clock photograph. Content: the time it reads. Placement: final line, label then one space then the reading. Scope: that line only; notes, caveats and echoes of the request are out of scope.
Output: 2:23
